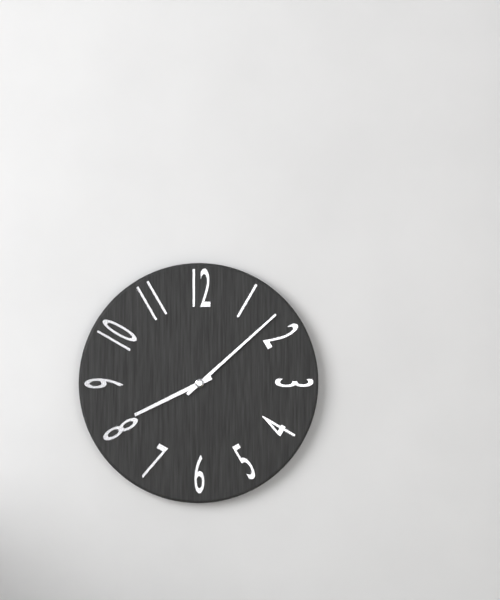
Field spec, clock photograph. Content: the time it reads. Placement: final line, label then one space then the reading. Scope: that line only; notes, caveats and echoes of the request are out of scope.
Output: 8:08
